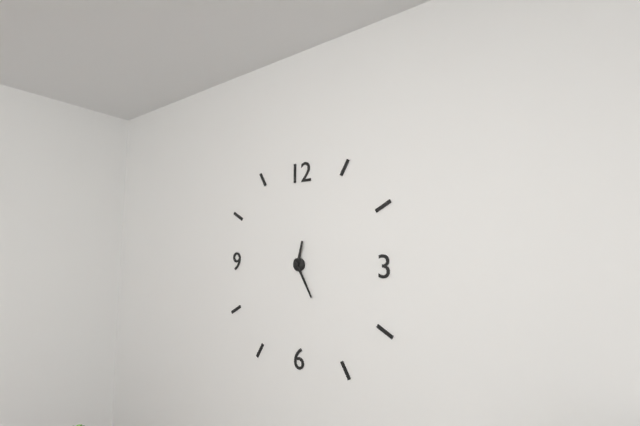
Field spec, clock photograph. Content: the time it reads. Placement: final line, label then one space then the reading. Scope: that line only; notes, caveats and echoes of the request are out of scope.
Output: 12:25
